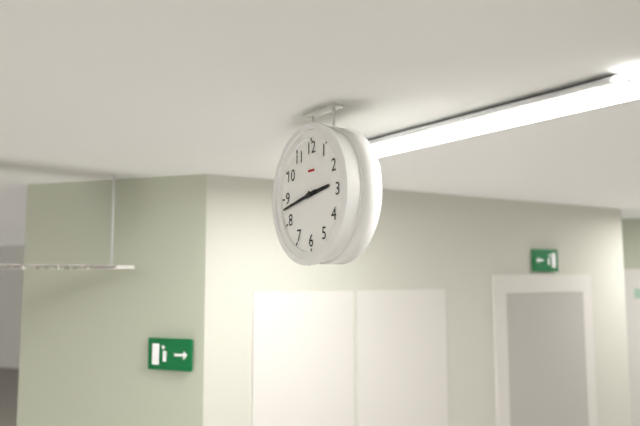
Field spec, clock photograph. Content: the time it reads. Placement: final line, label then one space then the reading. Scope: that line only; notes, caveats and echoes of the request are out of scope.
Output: 2:43
